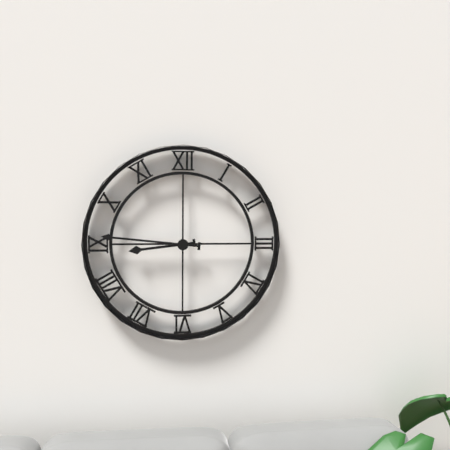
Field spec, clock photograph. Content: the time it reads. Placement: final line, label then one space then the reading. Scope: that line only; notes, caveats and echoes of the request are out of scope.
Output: 8:46
